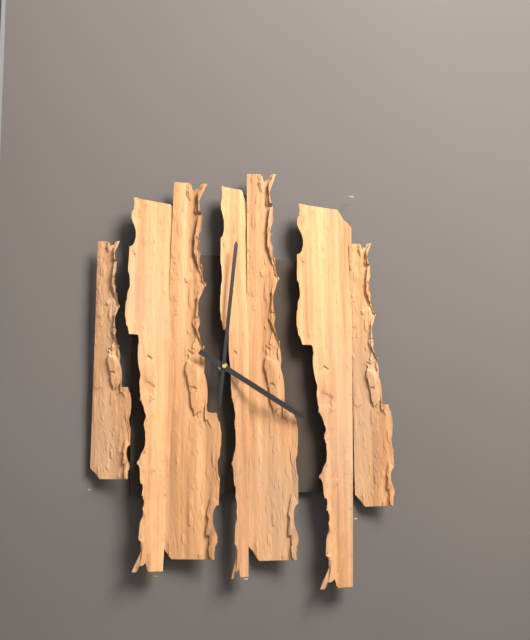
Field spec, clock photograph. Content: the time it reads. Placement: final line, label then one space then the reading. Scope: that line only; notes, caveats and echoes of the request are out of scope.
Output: 4:01
